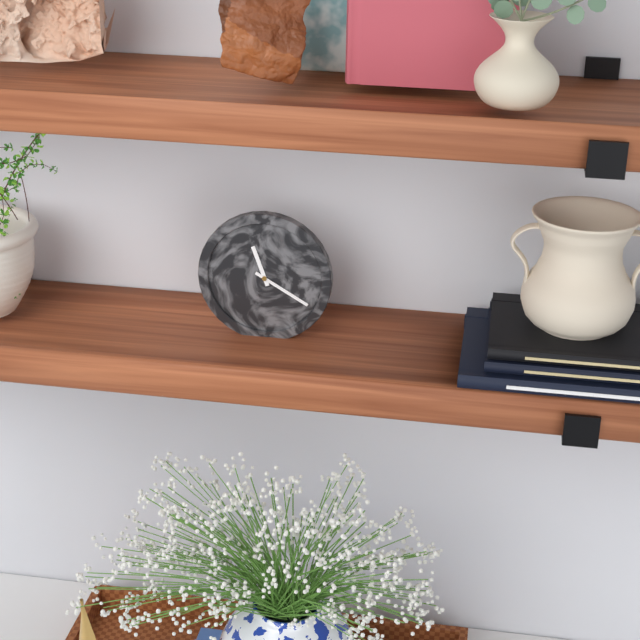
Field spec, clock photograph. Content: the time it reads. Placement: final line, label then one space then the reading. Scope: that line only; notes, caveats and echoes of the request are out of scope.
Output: 11:20
